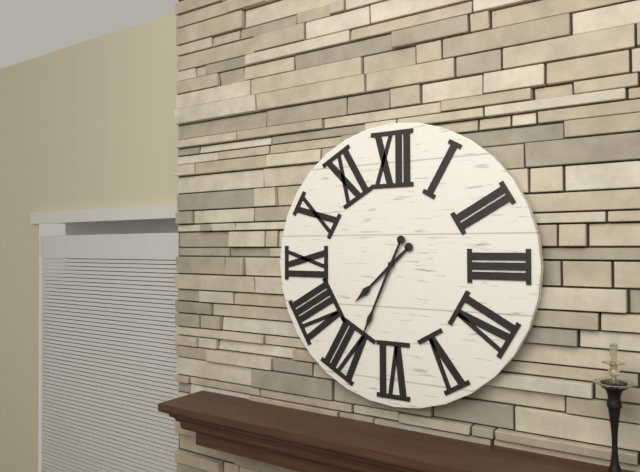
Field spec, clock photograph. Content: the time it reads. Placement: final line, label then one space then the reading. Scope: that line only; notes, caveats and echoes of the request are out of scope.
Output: 7:34
